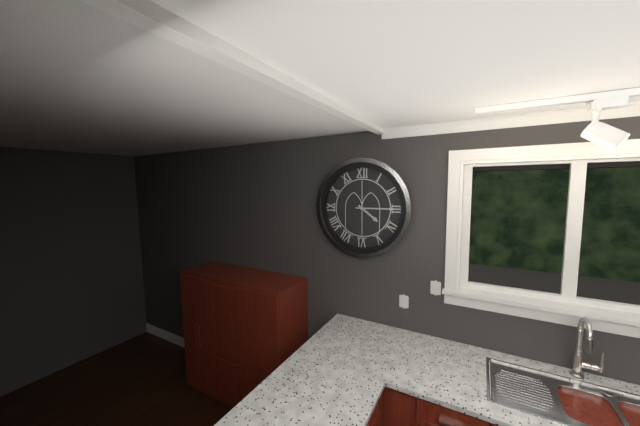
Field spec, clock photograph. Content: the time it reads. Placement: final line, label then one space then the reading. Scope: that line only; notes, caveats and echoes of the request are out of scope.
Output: 4:15
